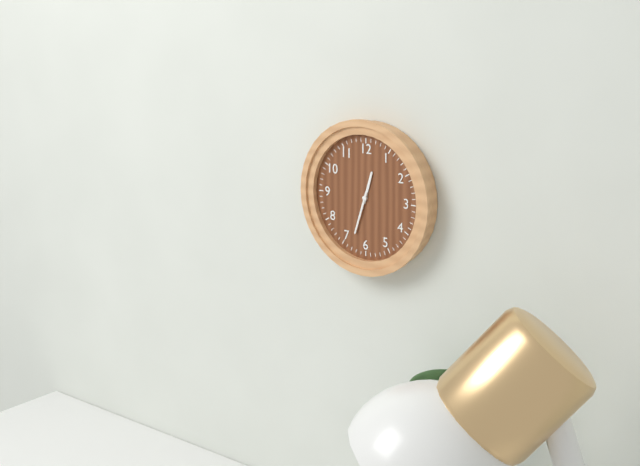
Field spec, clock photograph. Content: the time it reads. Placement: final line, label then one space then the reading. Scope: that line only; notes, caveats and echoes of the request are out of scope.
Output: 12:33
